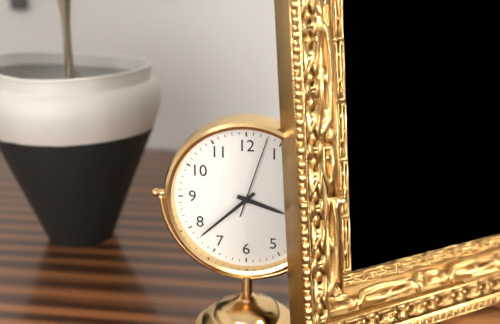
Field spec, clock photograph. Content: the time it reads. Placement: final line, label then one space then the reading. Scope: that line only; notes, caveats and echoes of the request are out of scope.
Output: 3:38:03
